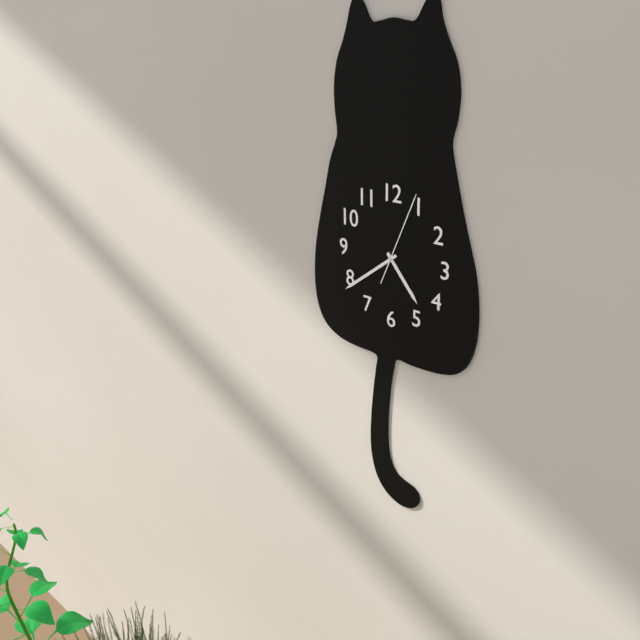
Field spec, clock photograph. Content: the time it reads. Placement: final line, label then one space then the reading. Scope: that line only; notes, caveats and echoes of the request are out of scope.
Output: 4:39:04
